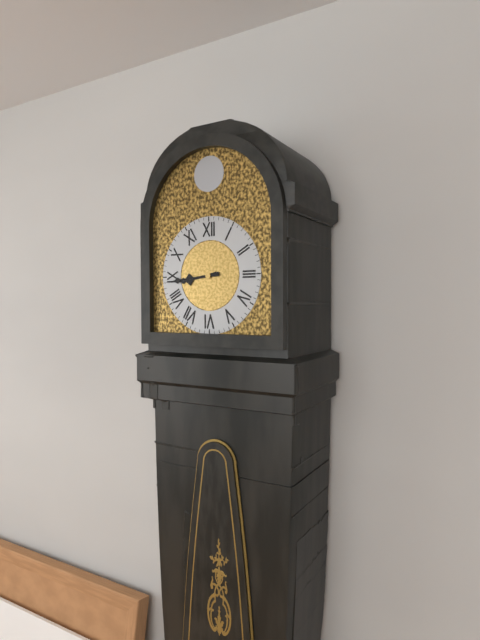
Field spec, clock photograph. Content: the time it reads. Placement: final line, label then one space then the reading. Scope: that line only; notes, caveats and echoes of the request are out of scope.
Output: 8:44
